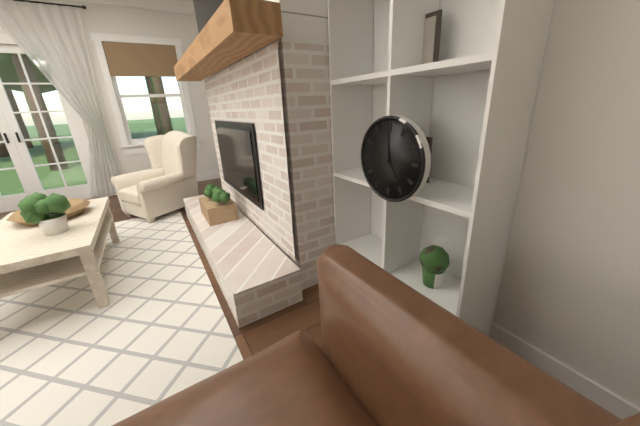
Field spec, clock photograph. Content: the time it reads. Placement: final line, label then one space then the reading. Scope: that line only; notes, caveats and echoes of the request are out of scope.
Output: 4:59
